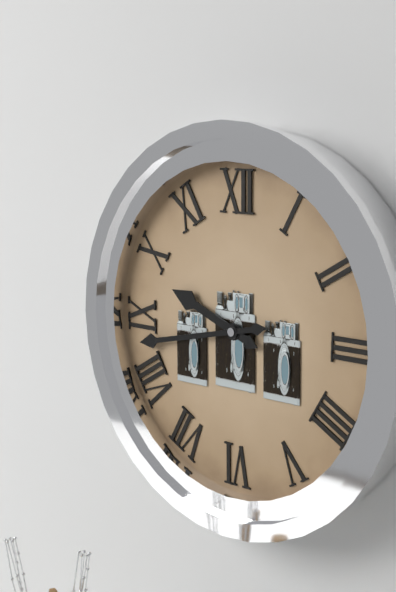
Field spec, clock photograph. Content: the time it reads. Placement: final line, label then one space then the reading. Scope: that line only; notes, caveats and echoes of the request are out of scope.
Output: 9:43
